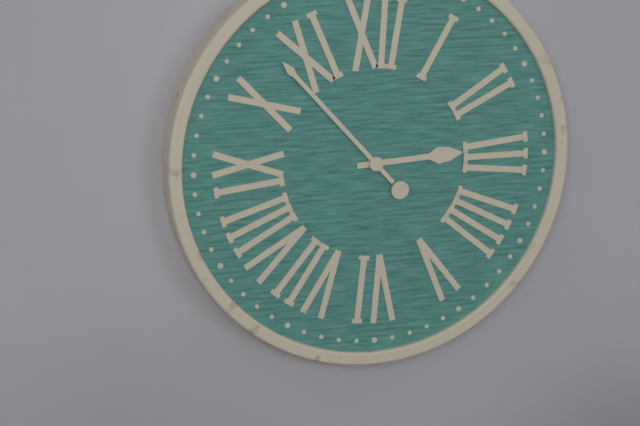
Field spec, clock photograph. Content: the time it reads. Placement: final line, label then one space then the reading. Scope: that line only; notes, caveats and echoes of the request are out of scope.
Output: 2:53
